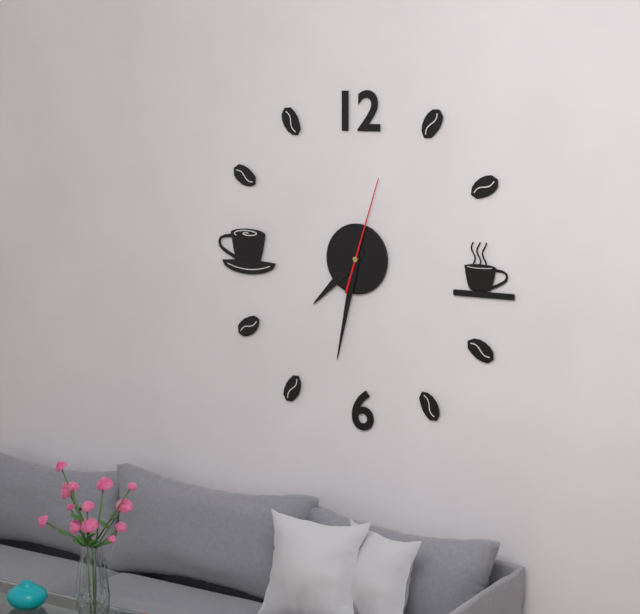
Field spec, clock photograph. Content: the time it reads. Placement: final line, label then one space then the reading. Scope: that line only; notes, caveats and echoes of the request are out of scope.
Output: 7:32:03
